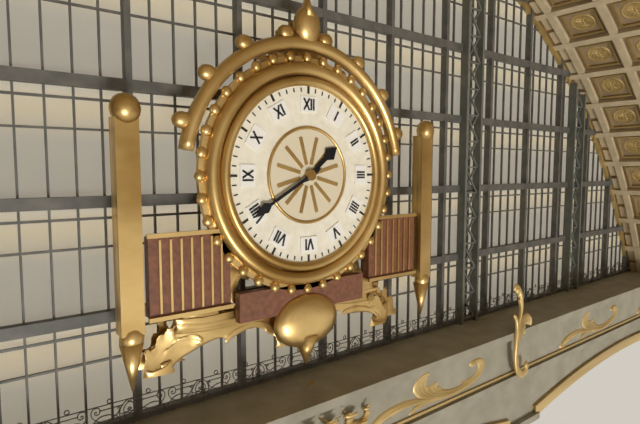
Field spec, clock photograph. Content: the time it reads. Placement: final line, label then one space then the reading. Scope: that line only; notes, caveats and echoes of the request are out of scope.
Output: 1:40
